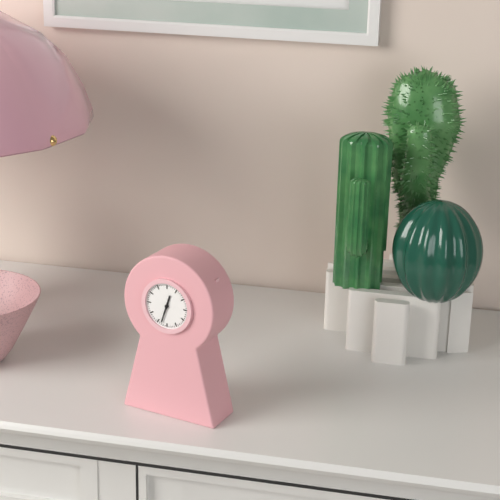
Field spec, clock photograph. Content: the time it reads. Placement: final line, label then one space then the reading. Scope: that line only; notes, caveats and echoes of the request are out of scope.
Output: 12:33
